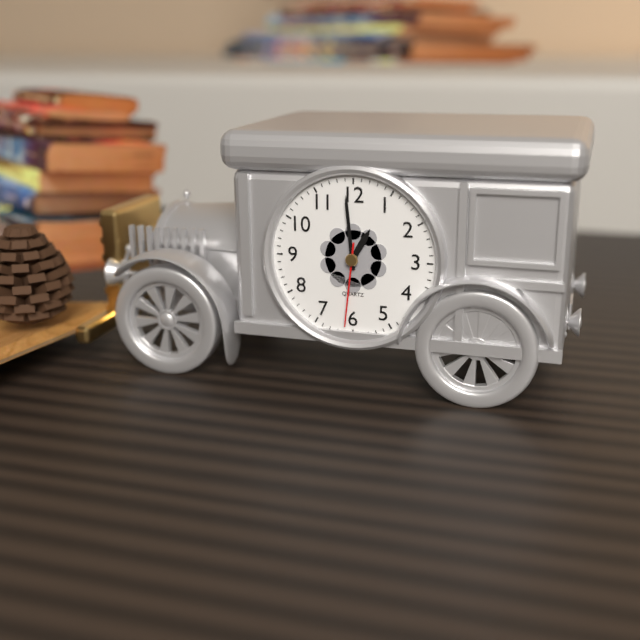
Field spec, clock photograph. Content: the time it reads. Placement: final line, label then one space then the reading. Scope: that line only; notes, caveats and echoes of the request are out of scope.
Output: 12:59:31
